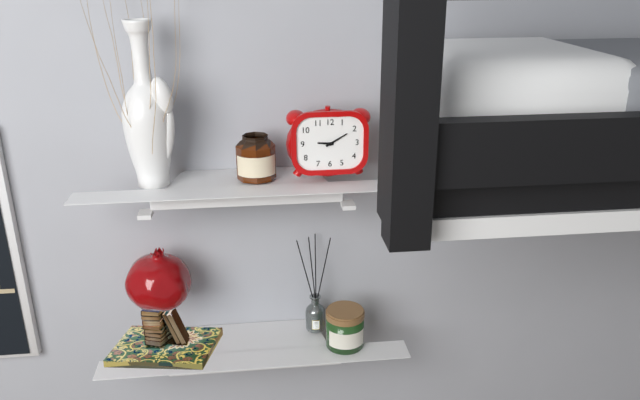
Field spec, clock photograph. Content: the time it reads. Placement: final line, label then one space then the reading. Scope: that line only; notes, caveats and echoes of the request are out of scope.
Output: 9:10
